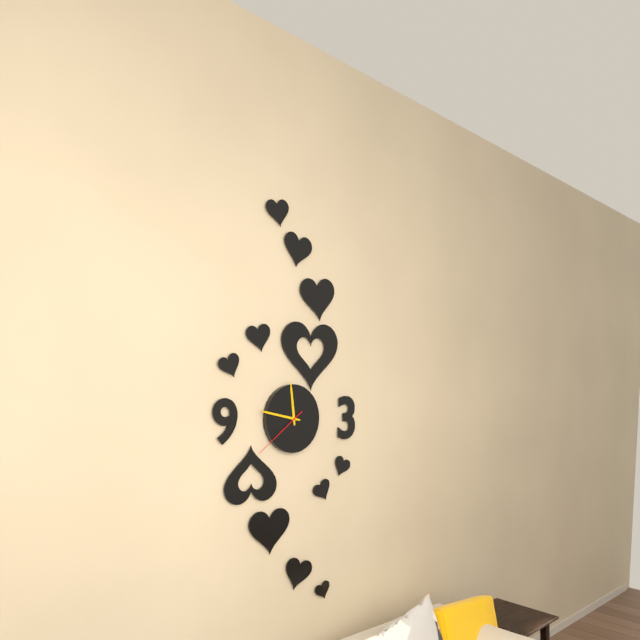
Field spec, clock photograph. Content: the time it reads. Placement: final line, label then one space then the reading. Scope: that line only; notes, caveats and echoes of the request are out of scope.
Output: 11:47:39
